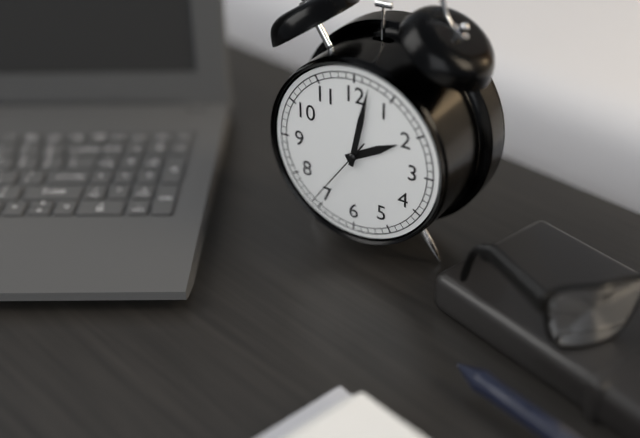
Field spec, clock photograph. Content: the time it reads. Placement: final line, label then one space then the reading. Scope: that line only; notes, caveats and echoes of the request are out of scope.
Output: 2:02:36
